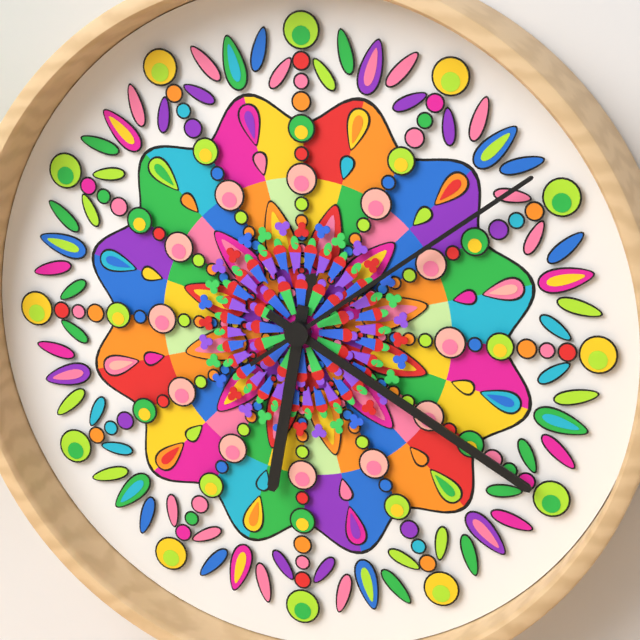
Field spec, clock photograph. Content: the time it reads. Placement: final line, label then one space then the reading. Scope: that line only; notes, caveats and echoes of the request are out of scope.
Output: 6:20:09
